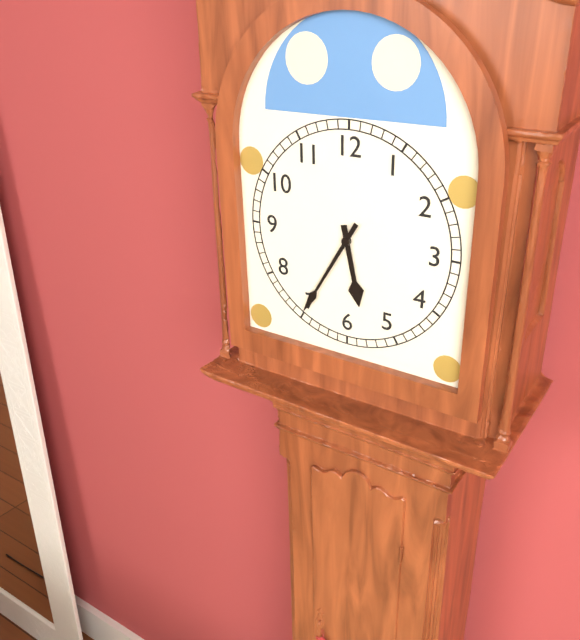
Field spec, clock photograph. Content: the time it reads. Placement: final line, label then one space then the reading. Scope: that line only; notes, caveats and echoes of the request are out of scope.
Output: 5:35
